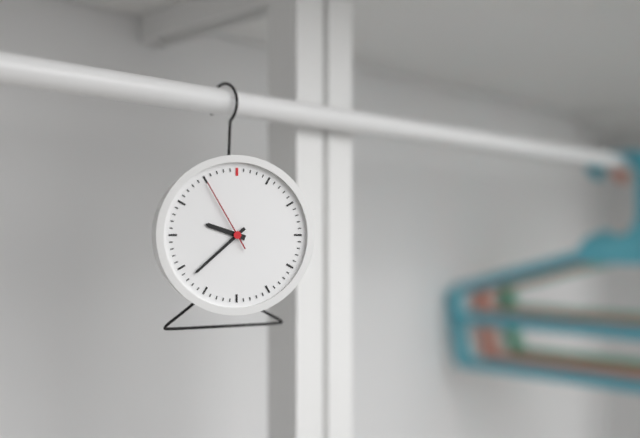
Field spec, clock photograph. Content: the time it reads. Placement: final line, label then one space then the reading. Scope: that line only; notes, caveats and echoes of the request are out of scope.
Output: 9:38:55
